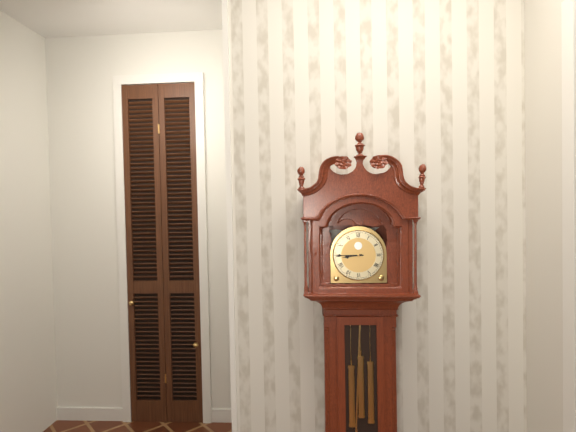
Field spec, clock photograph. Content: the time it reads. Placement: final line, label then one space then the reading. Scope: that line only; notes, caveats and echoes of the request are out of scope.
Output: 8:45
